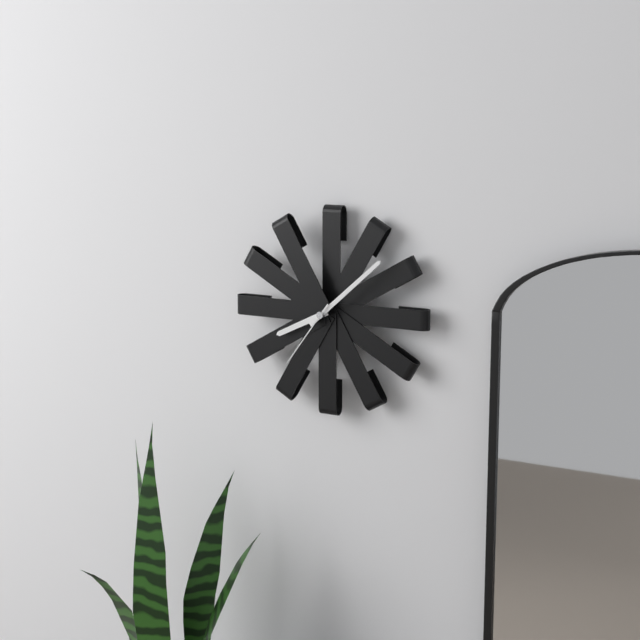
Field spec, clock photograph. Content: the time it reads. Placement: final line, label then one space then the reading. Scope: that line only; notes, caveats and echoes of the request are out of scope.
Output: 8:08:36
